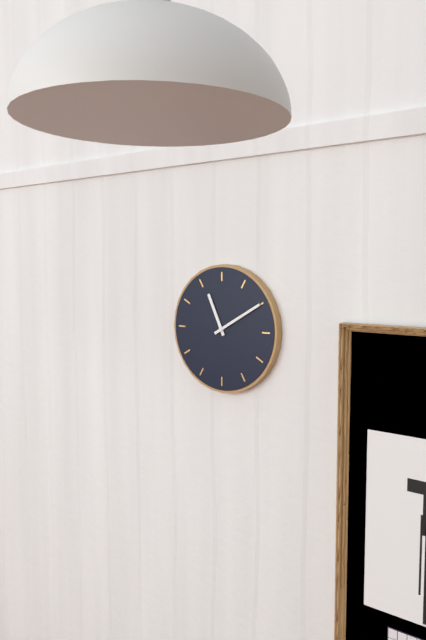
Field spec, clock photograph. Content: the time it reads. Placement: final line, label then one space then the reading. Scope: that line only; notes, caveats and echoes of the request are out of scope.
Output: 11:10
